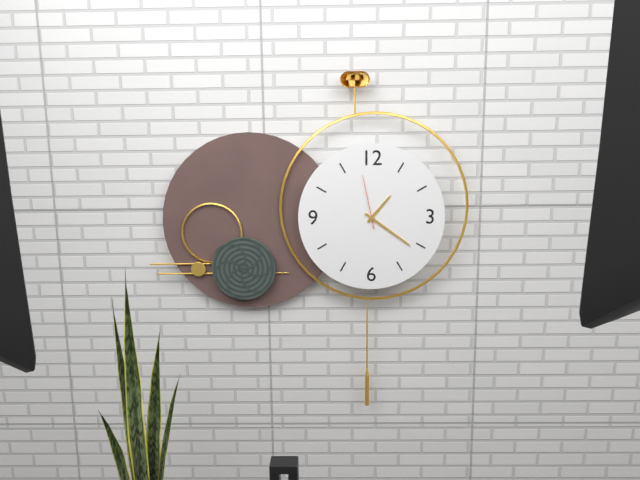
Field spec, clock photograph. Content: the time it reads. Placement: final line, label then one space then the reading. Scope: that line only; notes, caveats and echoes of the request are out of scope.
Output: 1:21:58
